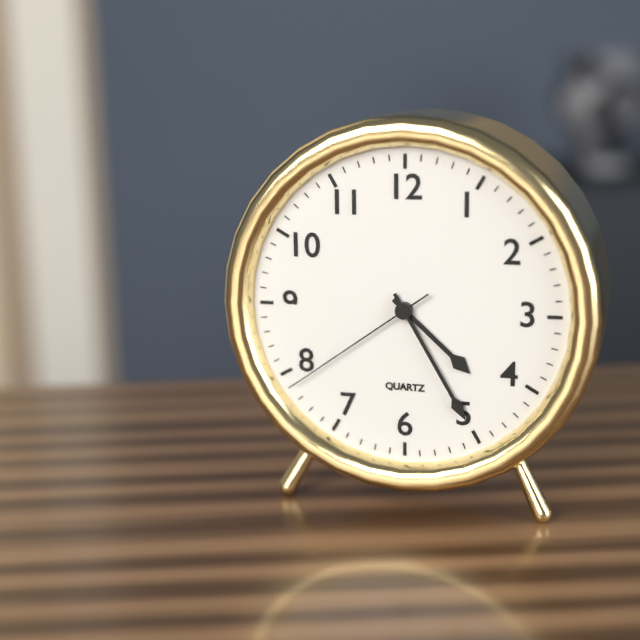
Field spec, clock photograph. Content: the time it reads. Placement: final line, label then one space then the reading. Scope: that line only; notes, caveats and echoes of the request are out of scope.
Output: 4:25:39
